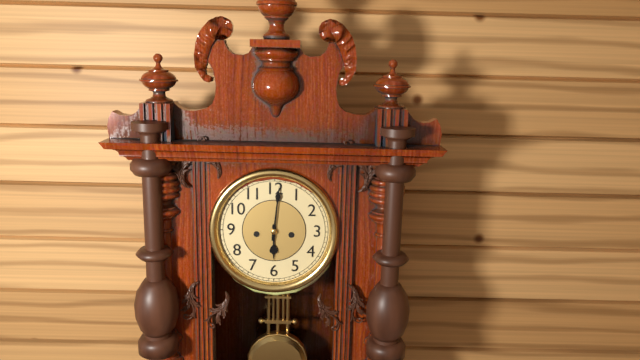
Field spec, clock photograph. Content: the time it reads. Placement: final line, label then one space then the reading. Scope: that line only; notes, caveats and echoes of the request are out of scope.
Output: 6:01
